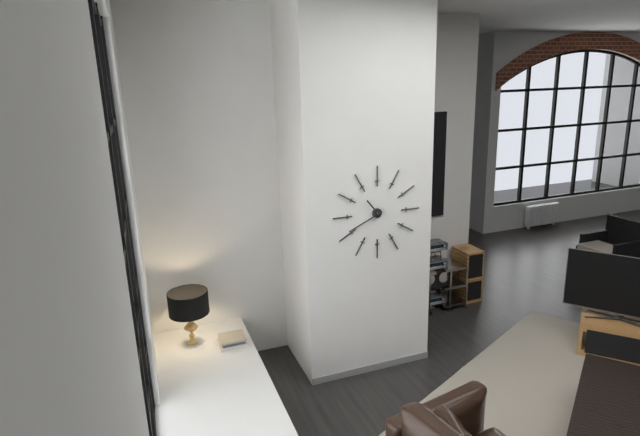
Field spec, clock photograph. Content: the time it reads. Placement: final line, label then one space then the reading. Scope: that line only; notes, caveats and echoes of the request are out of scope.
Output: 10:41
